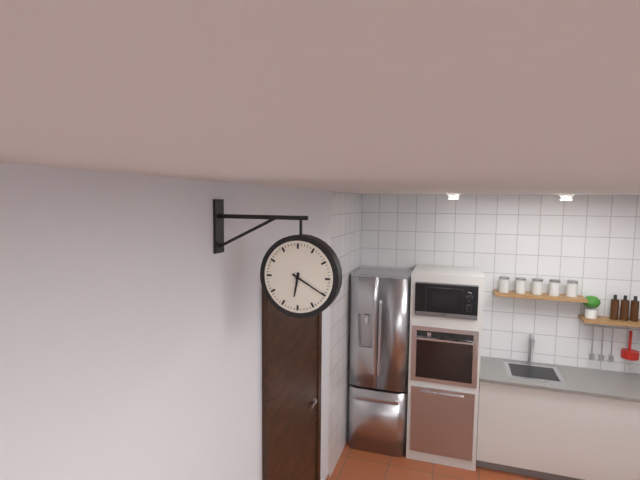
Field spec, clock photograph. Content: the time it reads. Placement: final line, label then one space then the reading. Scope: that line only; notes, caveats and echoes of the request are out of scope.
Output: 6:20
